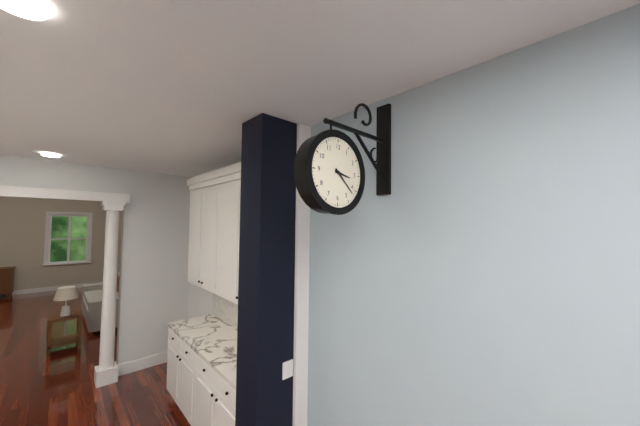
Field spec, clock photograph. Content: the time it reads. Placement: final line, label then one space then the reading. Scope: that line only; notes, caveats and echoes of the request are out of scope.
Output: 3:22
